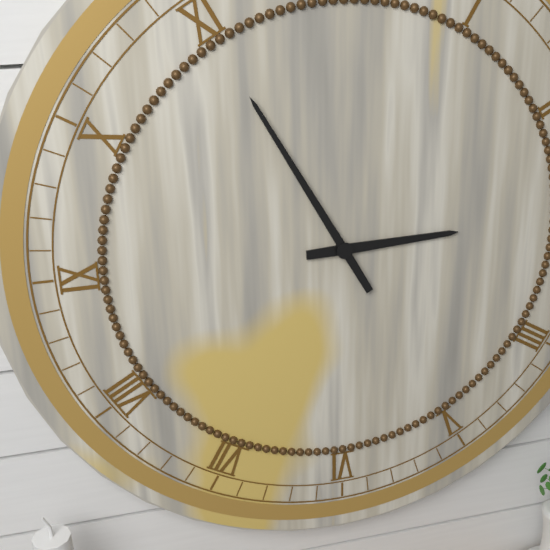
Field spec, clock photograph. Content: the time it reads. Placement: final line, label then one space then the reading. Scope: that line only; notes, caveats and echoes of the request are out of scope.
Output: 2:55
